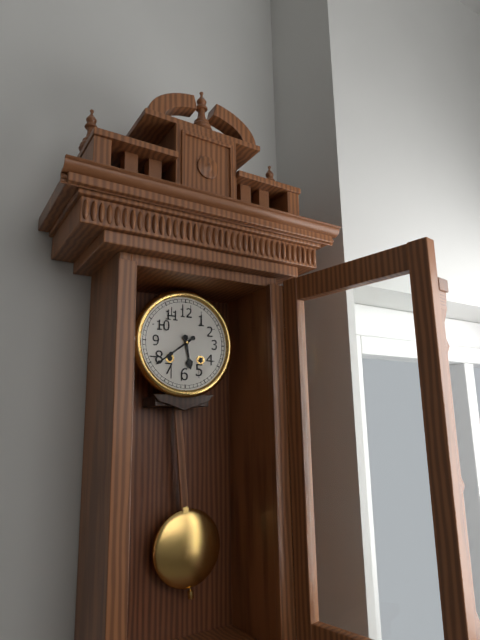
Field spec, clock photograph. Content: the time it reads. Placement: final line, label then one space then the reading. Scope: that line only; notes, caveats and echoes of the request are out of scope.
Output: 5:39
